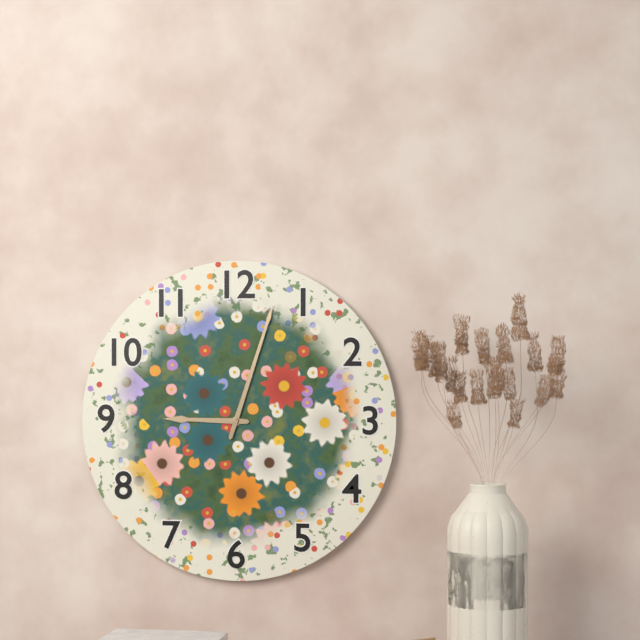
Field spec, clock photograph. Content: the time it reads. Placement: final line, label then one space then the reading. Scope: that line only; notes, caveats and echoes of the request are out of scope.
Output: 9:03
